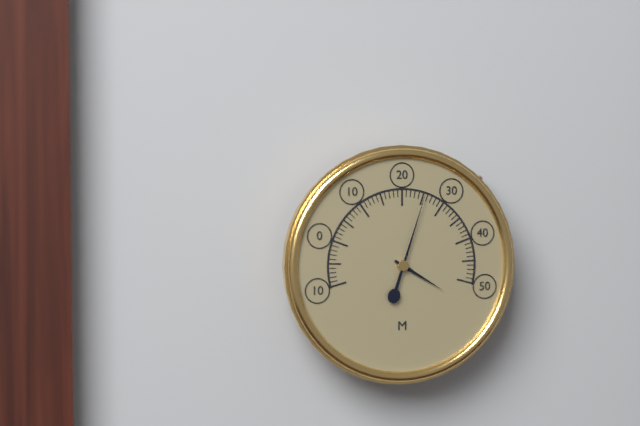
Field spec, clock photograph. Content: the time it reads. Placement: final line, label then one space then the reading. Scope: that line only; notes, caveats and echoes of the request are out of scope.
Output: 4:03
